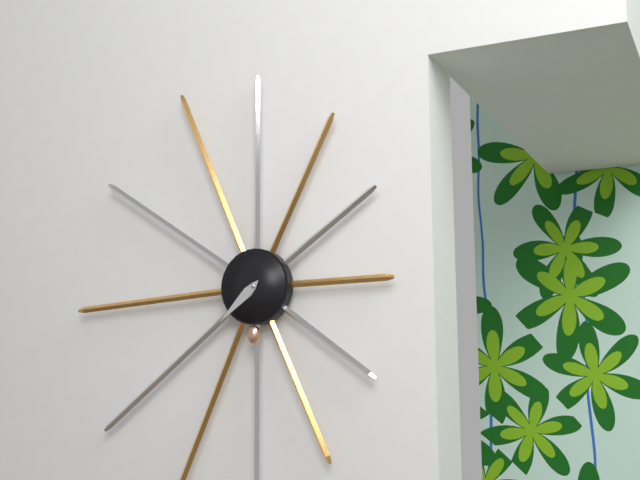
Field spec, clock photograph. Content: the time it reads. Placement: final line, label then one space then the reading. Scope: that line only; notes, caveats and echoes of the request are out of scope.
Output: 7:38
